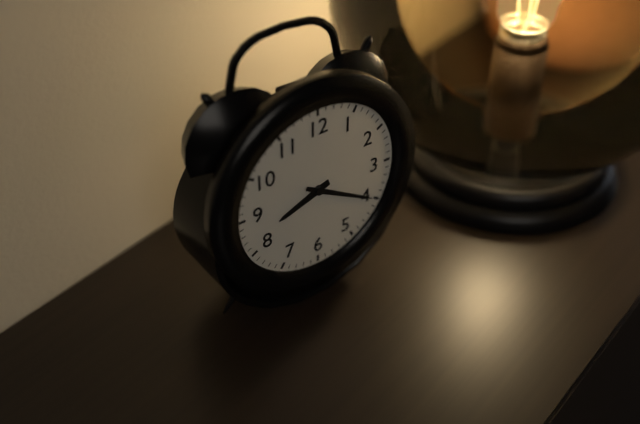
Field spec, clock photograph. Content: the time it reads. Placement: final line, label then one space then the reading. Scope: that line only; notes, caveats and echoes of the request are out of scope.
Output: 8:20
